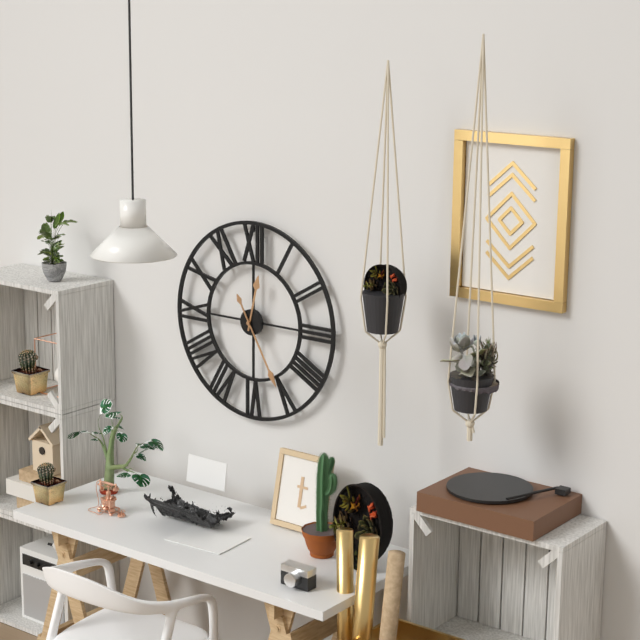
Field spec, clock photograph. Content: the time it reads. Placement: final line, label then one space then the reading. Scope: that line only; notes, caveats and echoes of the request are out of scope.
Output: 12:25
